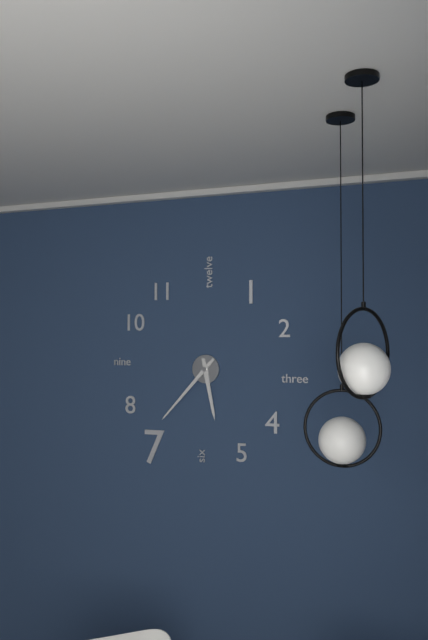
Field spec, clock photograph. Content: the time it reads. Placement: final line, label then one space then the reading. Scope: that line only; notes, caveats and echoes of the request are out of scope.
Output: 5:37
